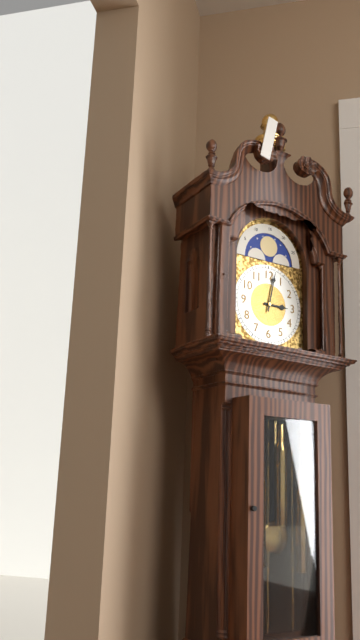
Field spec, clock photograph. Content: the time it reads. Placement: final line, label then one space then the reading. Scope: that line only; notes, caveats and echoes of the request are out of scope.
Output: 3:02
